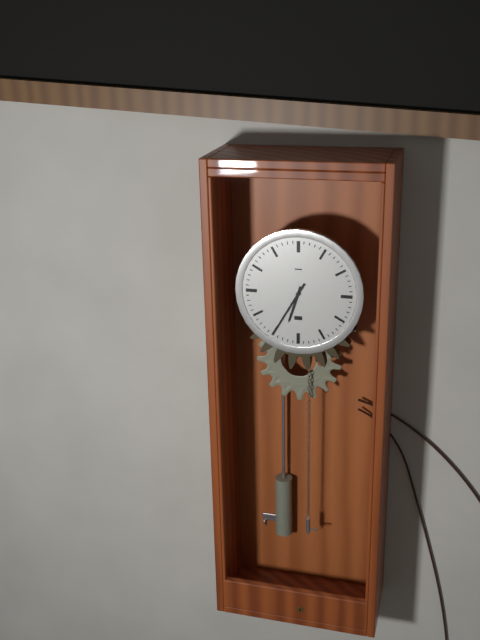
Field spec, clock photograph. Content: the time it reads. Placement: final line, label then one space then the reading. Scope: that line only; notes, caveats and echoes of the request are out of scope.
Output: 6:35
